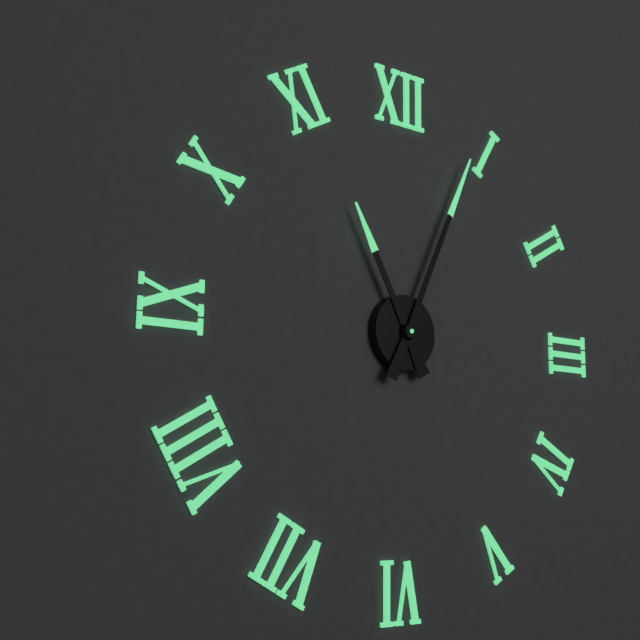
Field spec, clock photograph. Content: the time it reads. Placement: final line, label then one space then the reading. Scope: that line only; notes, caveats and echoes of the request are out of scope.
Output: 11:04
